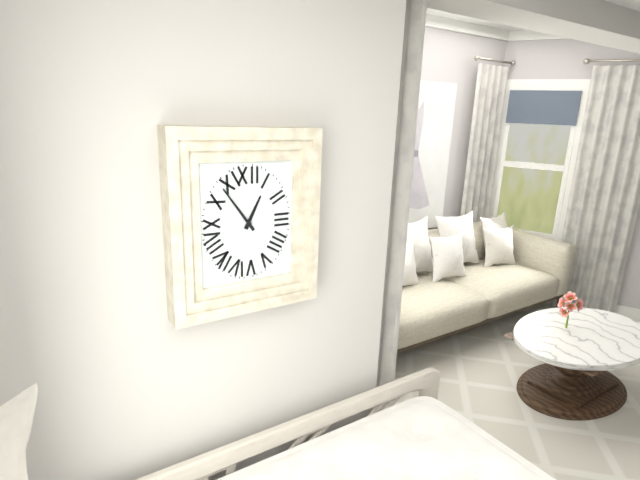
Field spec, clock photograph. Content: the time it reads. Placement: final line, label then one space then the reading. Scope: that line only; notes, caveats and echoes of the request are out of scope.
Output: 12:54
